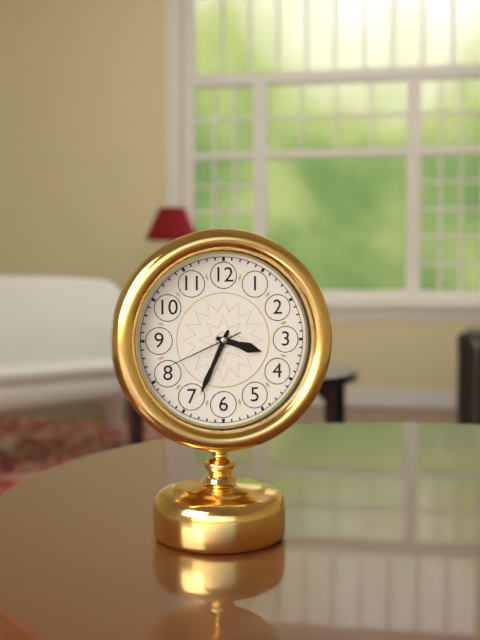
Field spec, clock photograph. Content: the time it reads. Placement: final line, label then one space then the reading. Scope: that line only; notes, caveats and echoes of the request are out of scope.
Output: 3:34:41
